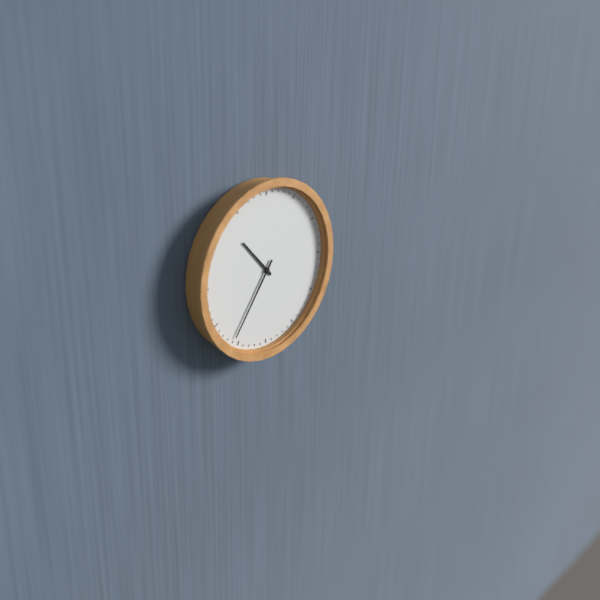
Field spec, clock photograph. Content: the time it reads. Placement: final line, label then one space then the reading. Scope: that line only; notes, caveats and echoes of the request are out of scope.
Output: 10:36
